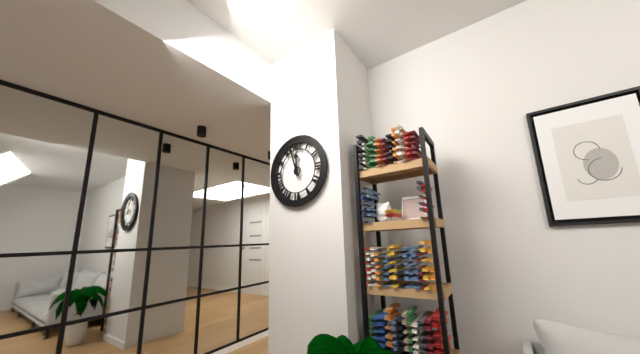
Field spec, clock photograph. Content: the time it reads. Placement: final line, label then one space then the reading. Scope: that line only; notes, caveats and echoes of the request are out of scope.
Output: 11:57
